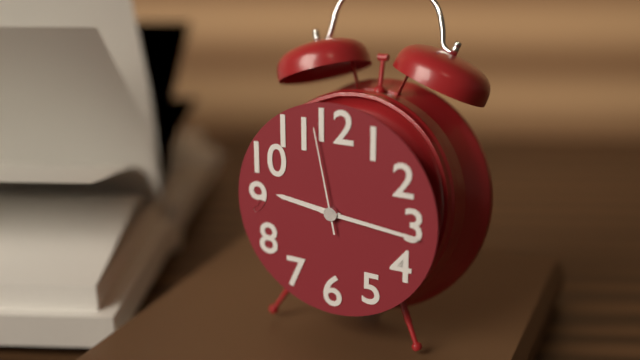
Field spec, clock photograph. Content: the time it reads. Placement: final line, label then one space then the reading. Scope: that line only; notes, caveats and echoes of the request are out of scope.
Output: 9:16:58
